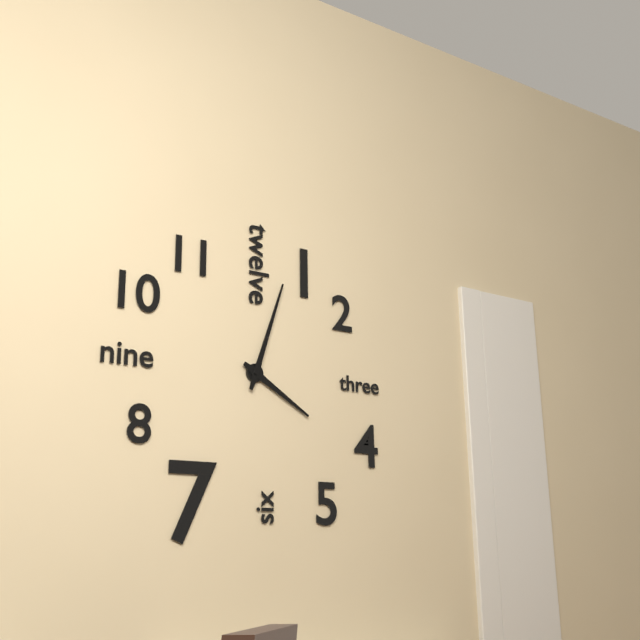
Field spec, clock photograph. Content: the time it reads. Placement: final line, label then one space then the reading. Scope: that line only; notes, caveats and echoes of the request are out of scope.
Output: 4:03
